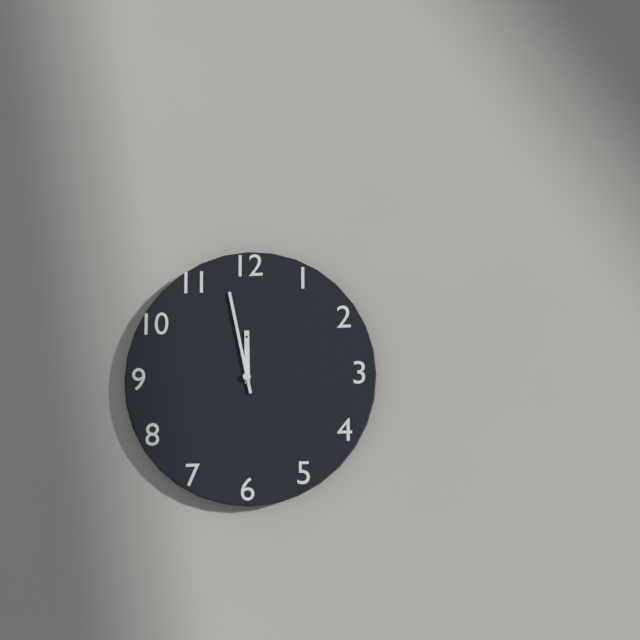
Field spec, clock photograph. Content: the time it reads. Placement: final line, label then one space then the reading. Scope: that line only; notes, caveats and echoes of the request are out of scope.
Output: 11:58
